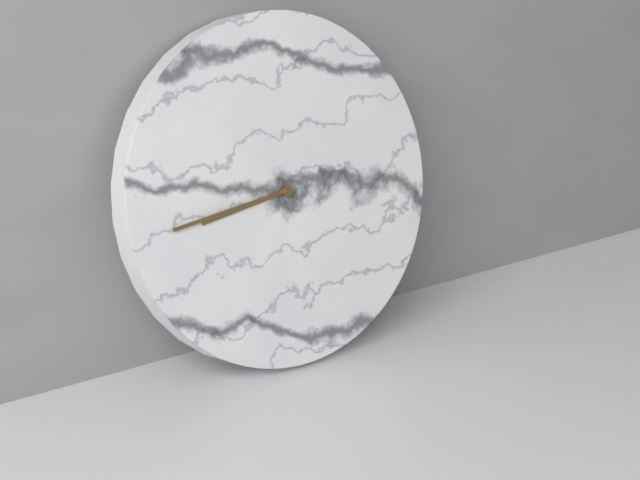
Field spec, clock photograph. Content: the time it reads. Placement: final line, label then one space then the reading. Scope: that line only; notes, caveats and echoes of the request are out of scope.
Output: 8:44
